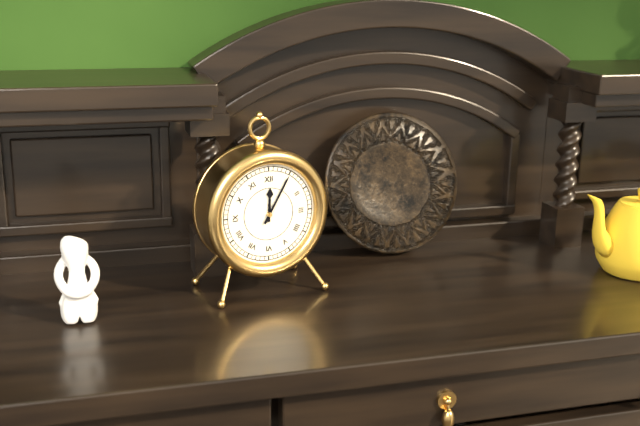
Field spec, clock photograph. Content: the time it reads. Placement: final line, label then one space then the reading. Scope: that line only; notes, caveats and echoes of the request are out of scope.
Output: 12:05
